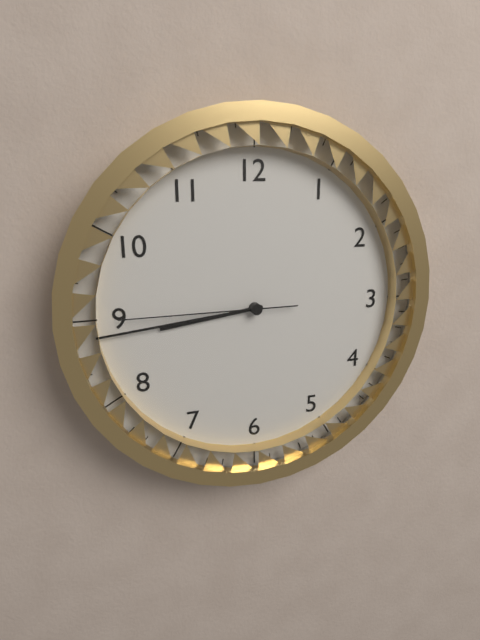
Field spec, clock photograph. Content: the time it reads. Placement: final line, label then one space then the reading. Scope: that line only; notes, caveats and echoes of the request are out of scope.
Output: 8:44:45
